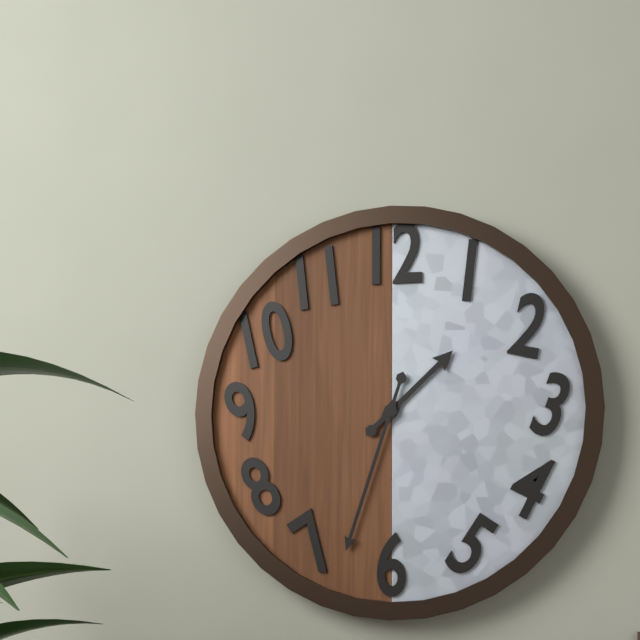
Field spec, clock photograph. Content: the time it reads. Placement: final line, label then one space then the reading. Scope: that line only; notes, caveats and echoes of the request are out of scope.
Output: 1:33
